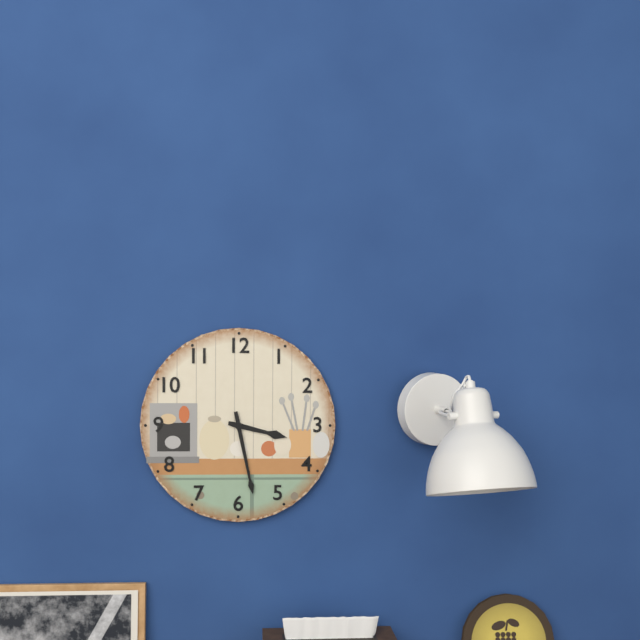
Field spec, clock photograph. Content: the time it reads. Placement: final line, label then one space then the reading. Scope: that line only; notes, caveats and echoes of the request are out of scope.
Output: 3:28
